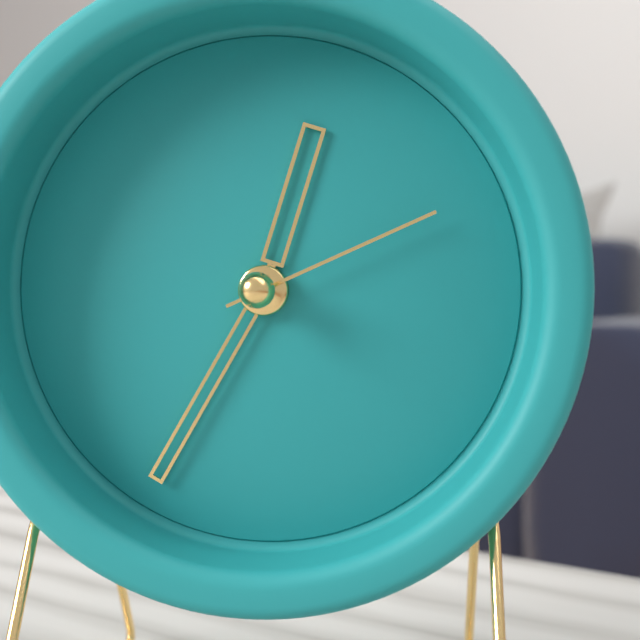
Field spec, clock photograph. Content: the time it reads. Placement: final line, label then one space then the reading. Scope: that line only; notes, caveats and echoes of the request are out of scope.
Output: 12:35:11
